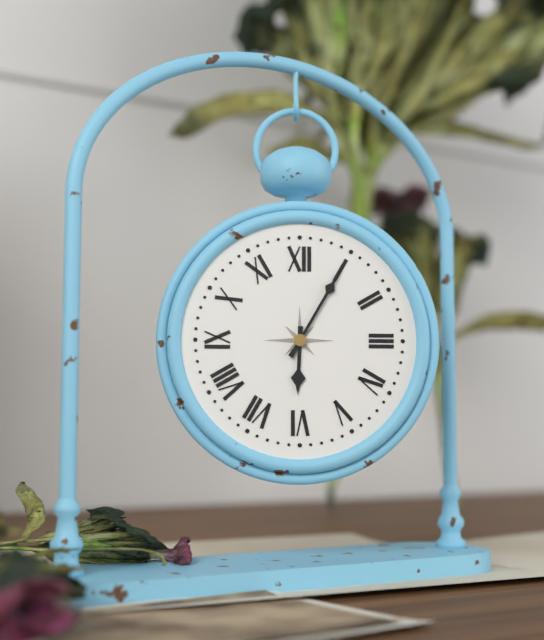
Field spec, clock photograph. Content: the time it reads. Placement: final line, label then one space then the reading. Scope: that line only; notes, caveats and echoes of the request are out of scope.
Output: 6:05
